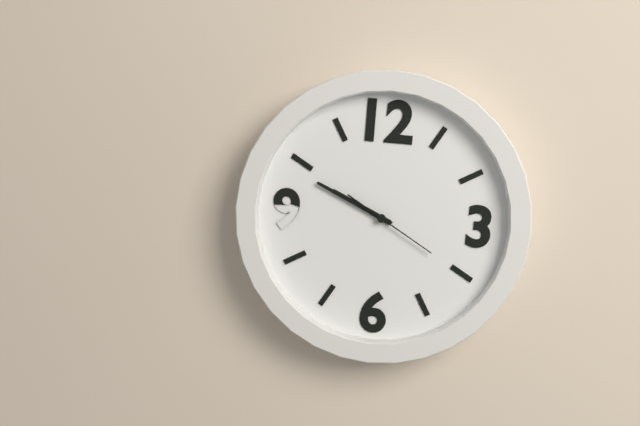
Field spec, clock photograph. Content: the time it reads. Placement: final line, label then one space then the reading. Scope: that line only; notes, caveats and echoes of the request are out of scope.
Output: 9:49:20
